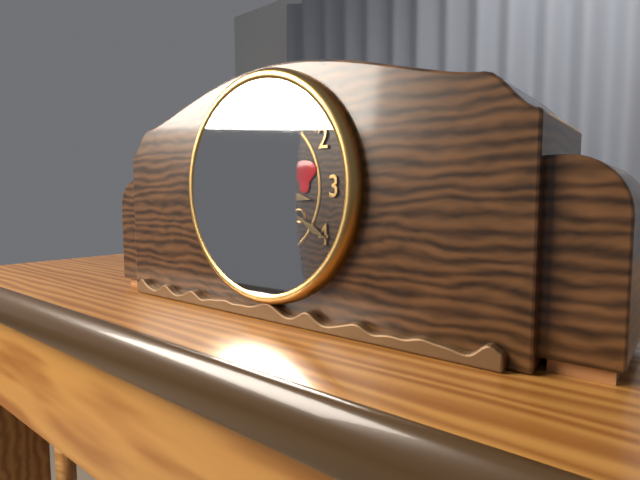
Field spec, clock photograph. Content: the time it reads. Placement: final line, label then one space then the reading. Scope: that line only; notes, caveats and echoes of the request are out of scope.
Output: 3:20
